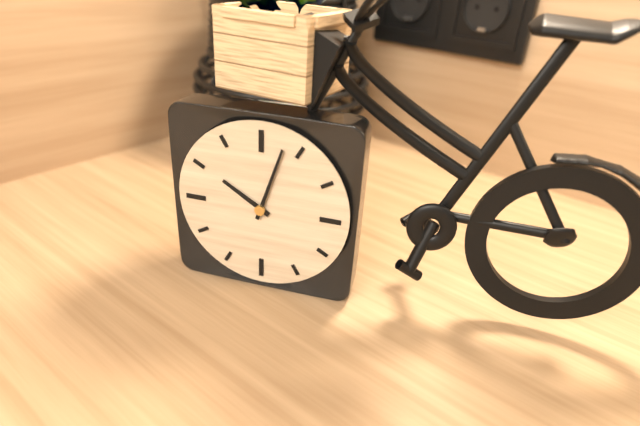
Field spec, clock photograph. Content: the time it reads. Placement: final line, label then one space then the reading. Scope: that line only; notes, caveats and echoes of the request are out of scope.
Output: 10:03
